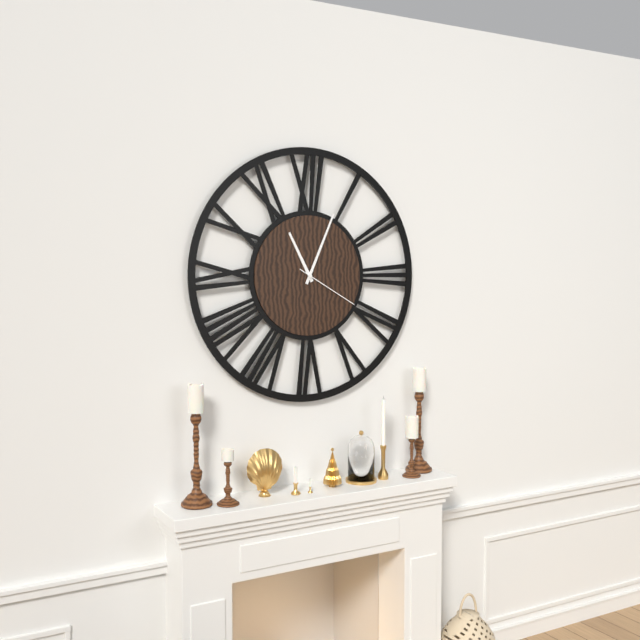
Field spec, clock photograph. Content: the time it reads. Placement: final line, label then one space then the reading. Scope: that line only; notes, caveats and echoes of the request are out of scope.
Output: 11:04:20
